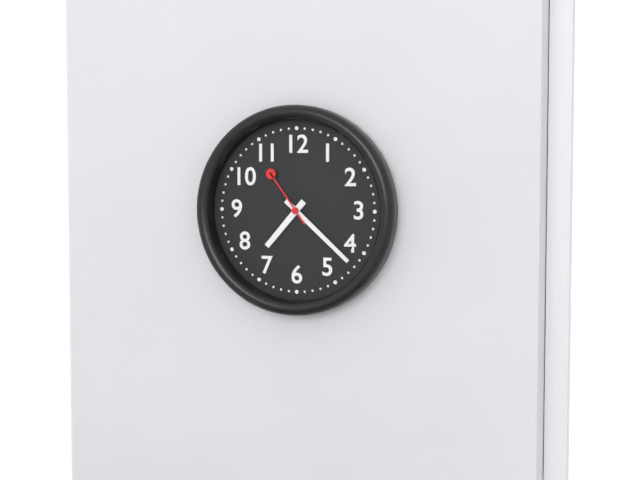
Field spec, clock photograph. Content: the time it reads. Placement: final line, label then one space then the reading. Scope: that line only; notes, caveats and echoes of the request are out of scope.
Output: 7:22:54
